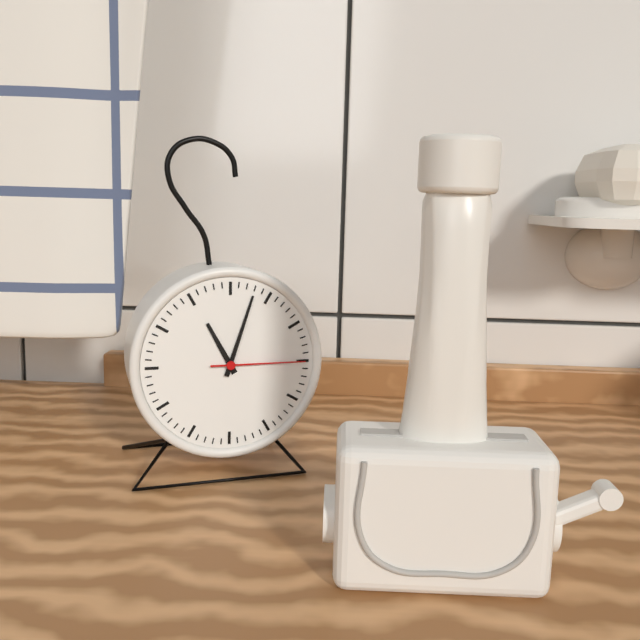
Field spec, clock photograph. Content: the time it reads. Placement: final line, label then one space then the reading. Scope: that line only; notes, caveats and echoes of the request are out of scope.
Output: 11:03:15
